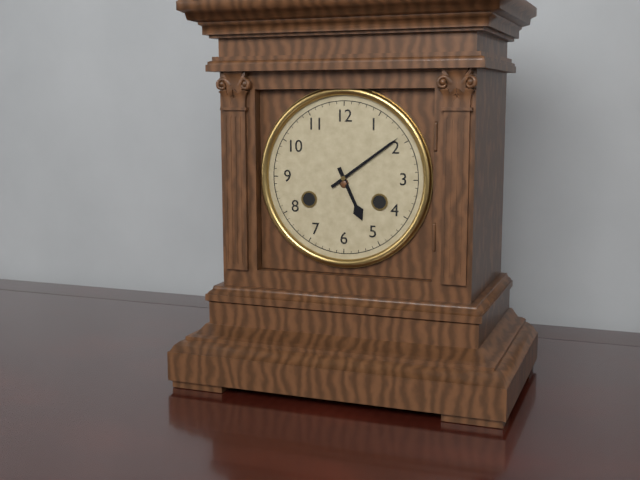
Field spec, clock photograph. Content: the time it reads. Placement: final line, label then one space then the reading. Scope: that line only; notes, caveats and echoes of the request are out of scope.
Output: 5:09
